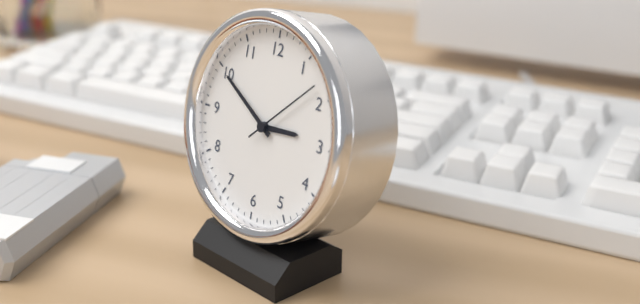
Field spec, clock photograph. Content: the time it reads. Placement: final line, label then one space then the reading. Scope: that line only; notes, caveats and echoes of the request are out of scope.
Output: 2:50:08
